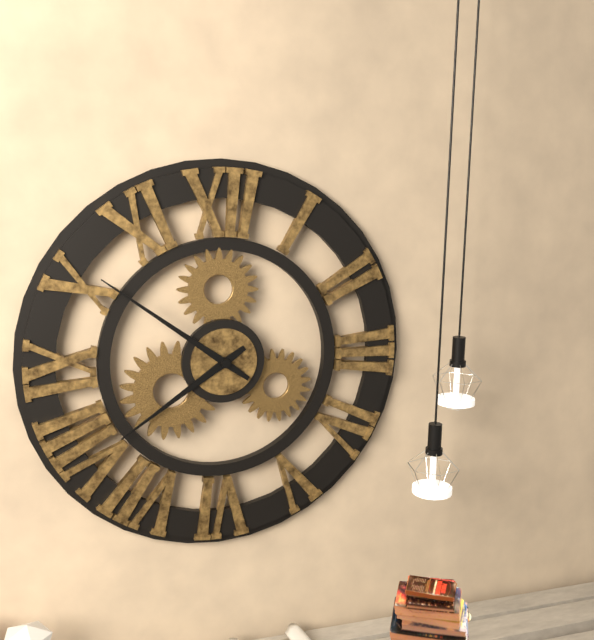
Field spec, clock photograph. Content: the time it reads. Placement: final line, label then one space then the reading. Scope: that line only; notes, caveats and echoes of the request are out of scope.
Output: 7:51
